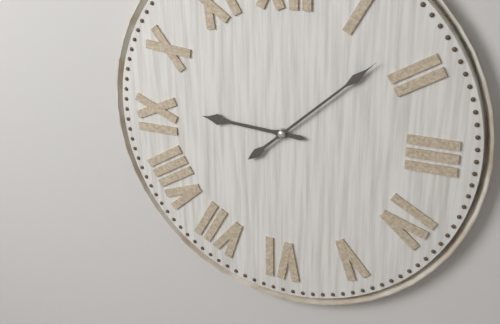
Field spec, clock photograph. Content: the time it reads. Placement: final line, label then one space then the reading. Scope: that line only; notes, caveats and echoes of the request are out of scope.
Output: 9:08
